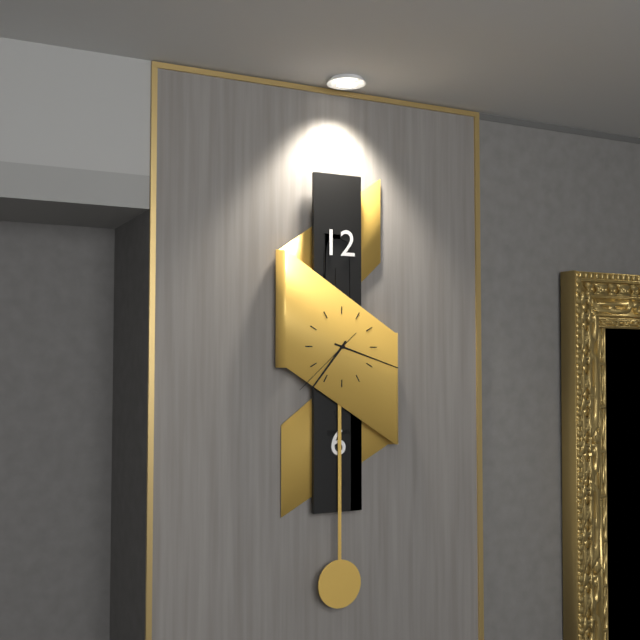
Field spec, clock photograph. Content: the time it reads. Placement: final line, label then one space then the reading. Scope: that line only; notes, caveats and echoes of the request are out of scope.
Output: 7:18:38
